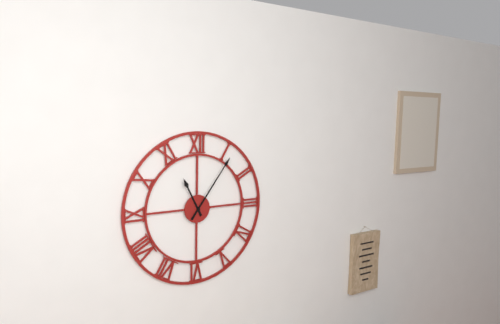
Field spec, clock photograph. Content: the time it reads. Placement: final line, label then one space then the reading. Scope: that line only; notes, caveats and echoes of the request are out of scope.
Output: 11:06
